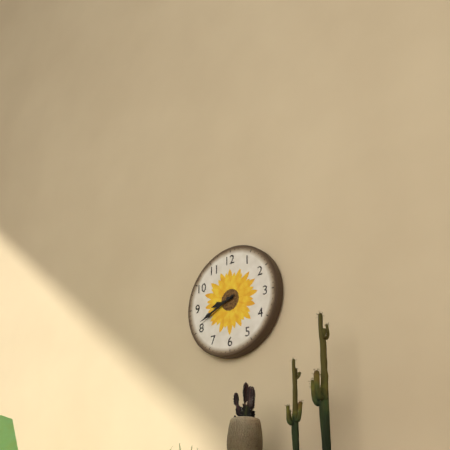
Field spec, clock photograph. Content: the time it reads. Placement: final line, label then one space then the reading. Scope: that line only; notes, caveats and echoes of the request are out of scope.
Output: 8:41
